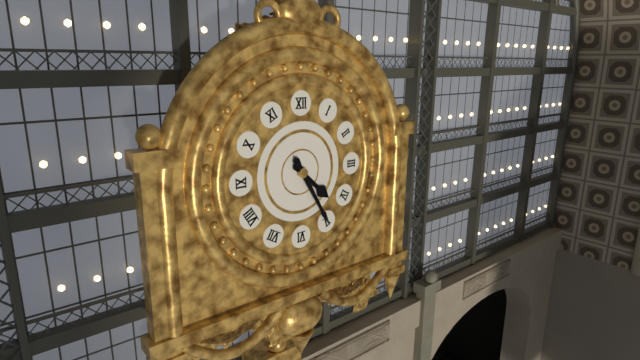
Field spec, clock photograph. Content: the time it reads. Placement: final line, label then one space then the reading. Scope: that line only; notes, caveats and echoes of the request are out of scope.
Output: 4:25
